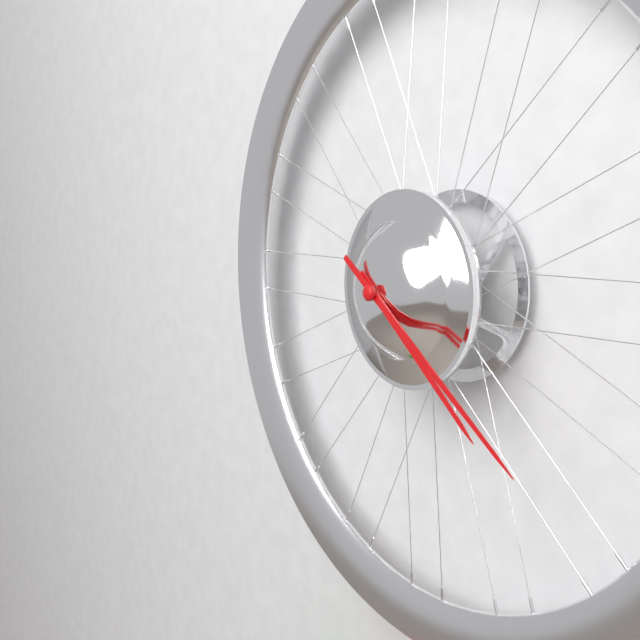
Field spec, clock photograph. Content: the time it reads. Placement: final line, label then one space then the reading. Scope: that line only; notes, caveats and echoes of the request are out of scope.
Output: 4:21
